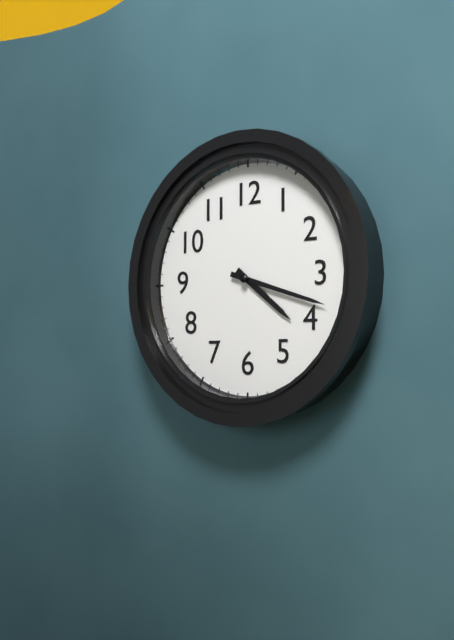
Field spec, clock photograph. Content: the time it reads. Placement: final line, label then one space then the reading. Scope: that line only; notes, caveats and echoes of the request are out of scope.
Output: 4:18
